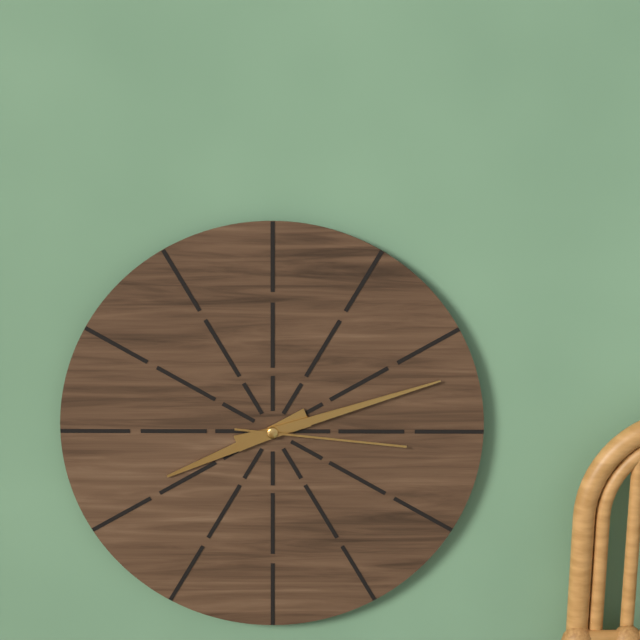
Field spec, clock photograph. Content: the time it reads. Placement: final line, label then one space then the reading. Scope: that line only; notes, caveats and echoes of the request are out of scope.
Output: 8:12:16
